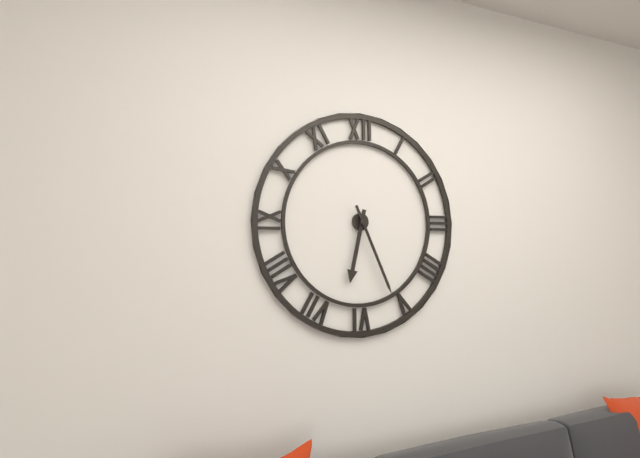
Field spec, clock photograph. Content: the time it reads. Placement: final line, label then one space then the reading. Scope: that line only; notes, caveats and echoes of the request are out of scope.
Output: 6:26
